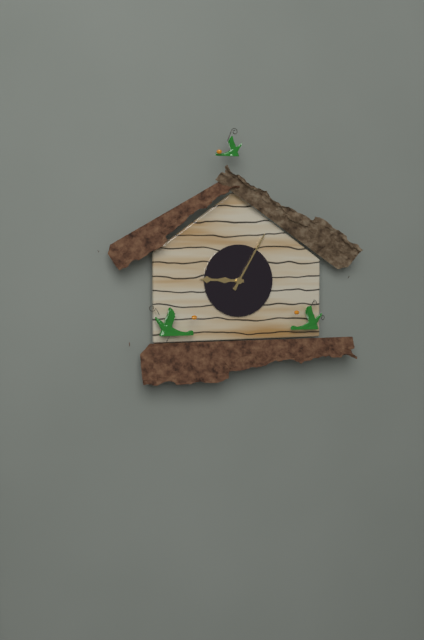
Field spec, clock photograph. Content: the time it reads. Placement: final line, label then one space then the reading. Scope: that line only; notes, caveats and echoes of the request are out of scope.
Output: 9:05
